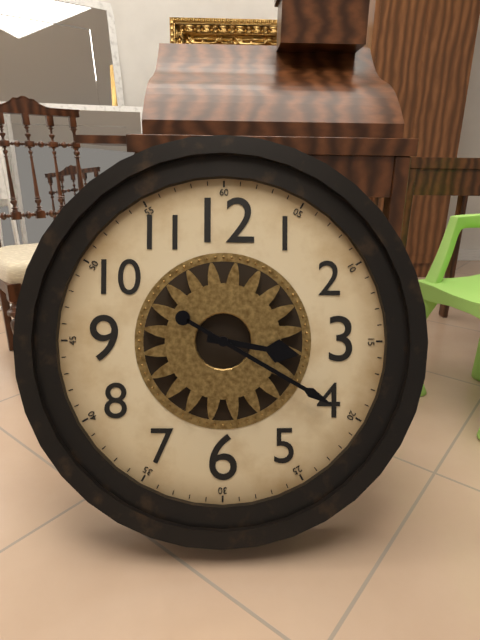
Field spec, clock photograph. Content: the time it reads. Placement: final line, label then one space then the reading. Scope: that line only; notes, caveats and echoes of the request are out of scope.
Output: 3:20
